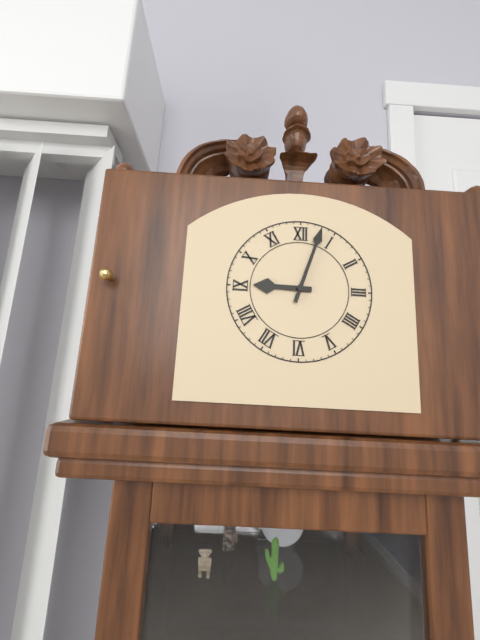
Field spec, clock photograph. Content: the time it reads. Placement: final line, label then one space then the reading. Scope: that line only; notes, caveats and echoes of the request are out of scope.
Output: 9:03
